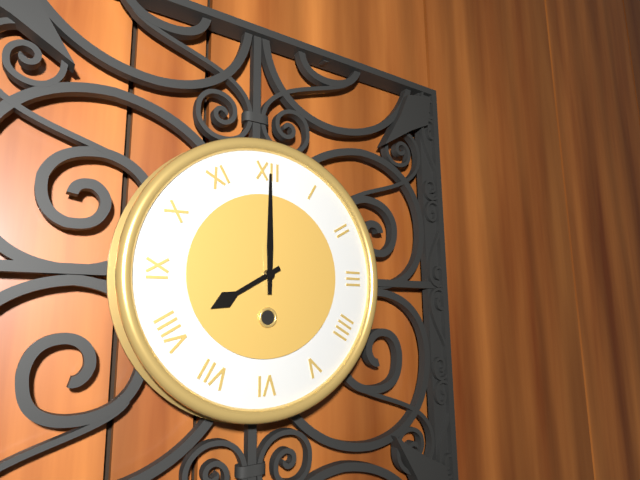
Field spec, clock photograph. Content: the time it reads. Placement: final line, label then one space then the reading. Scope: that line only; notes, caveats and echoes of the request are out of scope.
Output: 8:00
